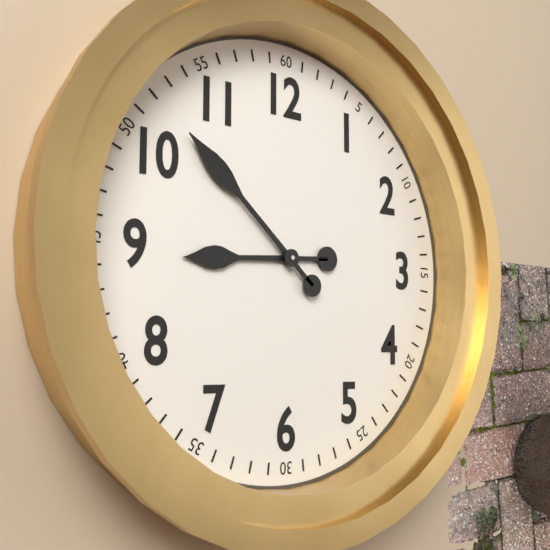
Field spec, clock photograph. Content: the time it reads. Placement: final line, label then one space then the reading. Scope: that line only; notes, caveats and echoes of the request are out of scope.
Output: 8:52
